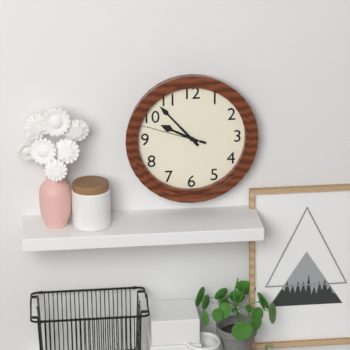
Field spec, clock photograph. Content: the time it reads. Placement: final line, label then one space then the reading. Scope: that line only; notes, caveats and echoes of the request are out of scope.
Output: 9:53:48
